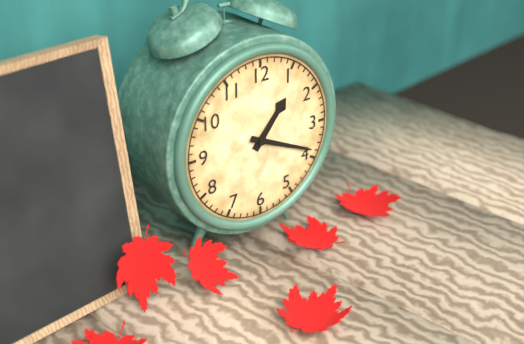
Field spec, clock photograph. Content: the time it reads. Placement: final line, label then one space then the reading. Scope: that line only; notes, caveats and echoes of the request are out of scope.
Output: 1:19
